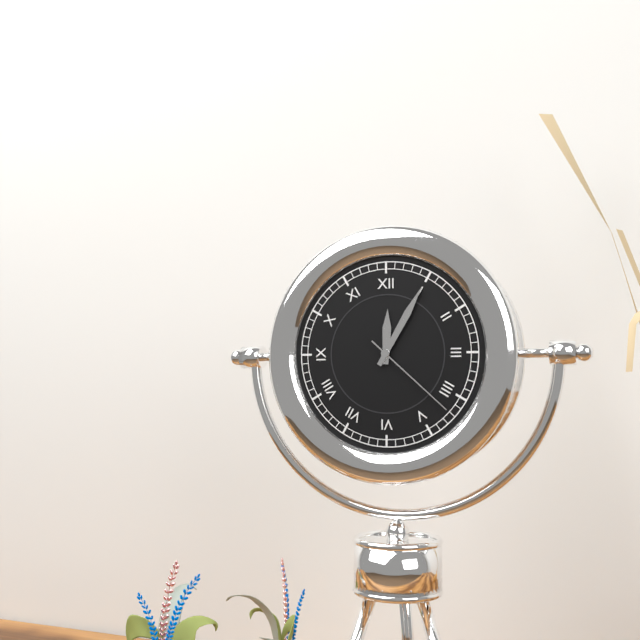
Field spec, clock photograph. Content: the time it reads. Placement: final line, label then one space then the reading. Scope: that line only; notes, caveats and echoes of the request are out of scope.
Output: 12:05:22
